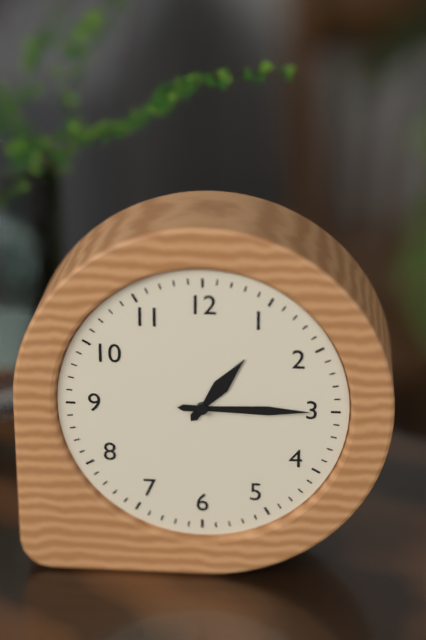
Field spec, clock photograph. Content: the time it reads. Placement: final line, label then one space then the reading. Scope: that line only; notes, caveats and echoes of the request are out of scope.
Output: 1:15
